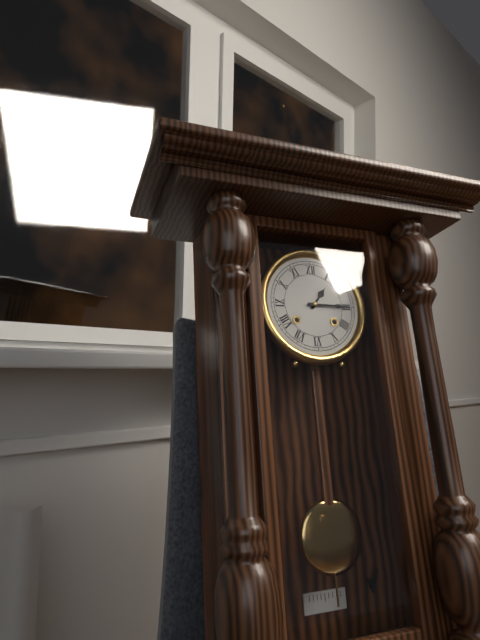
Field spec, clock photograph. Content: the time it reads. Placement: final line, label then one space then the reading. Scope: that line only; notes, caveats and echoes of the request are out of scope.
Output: 1:15
